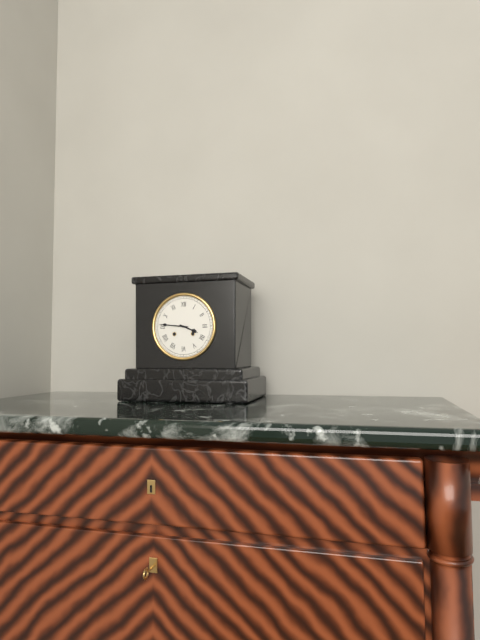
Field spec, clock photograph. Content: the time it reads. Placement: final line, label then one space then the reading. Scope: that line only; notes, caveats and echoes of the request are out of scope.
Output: 3:46
